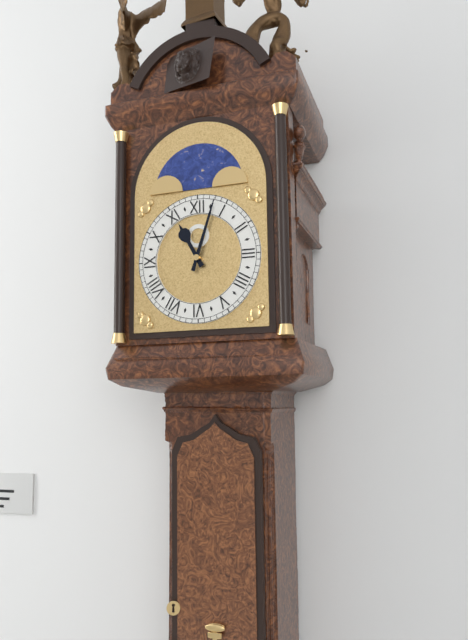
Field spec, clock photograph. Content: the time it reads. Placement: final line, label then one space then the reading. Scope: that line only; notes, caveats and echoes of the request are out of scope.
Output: 11:03
